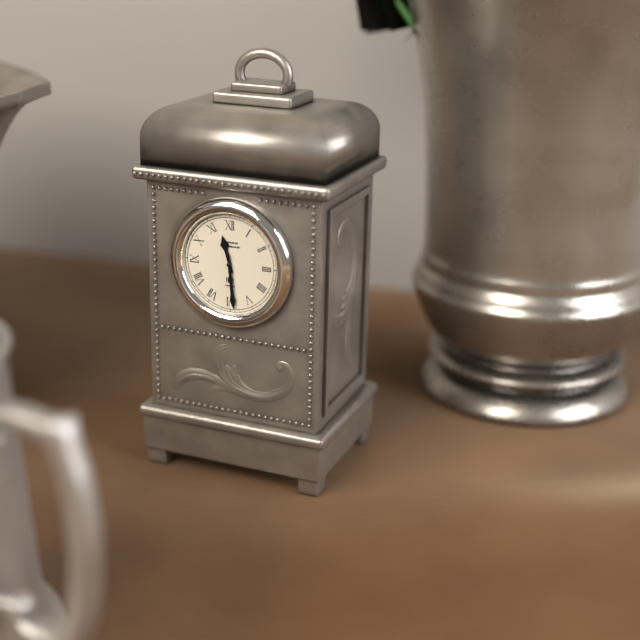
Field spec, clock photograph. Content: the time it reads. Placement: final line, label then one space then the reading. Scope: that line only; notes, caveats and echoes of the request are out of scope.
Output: 11:29
